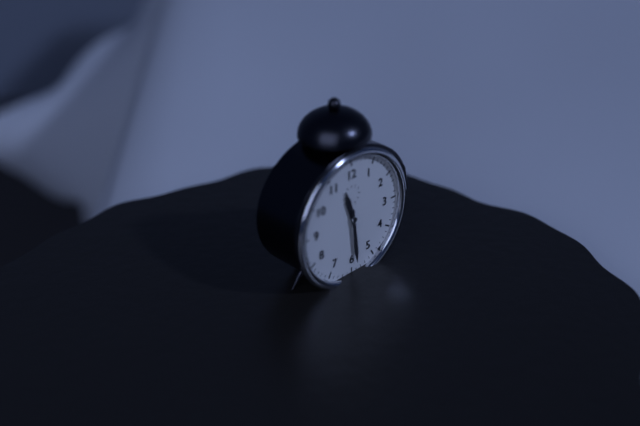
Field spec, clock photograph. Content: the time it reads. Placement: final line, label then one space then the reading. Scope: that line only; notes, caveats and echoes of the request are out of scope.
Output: 11:29
